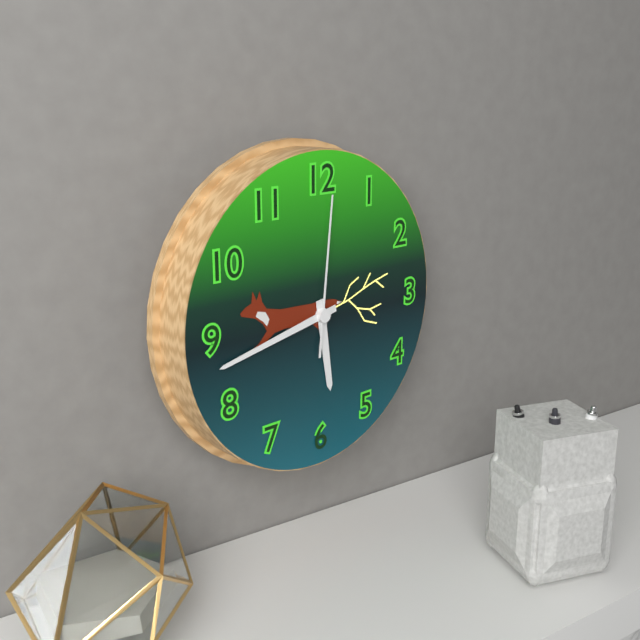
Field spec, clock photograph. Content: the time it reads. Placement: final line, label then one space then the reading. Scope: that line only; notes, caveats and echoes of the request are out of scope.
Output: 5:43:01
